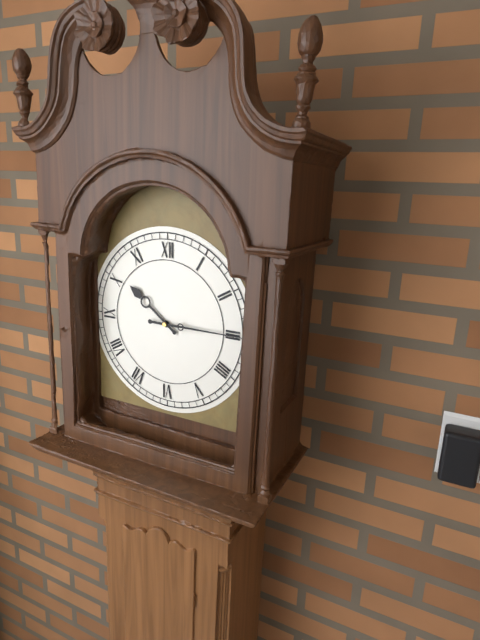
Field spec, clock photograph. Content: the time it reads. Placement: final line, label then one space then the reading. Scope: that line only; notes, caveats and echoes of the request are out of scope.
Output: 10:15
